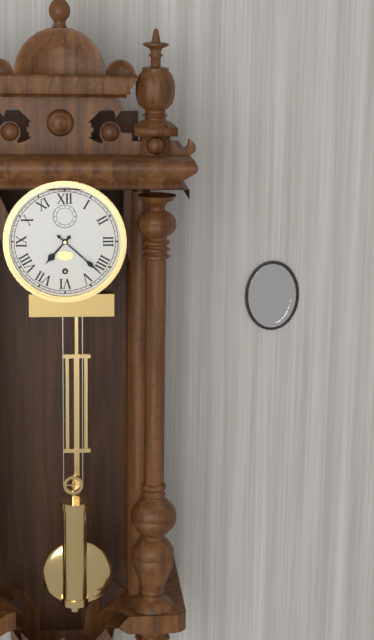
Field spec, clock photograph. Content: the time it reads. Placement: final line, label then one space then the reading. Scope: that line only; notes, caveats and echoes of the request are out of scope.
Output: 7:22
